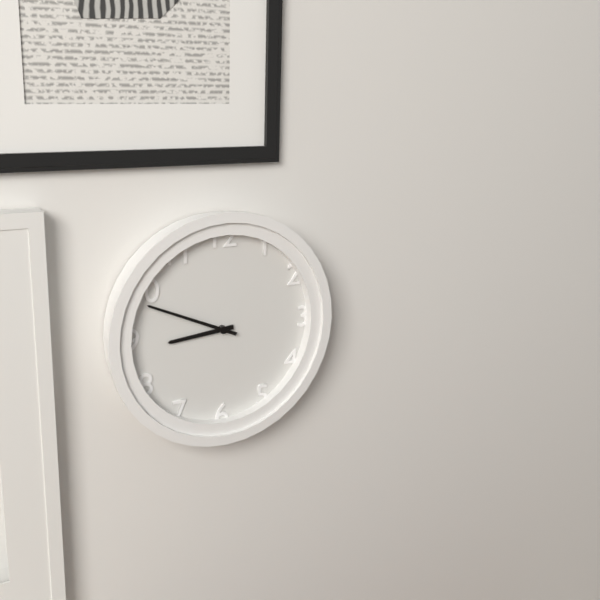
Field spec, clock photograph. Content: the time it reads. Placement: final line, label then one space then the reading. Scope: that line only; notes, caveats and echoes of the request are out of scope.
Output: 8:49
